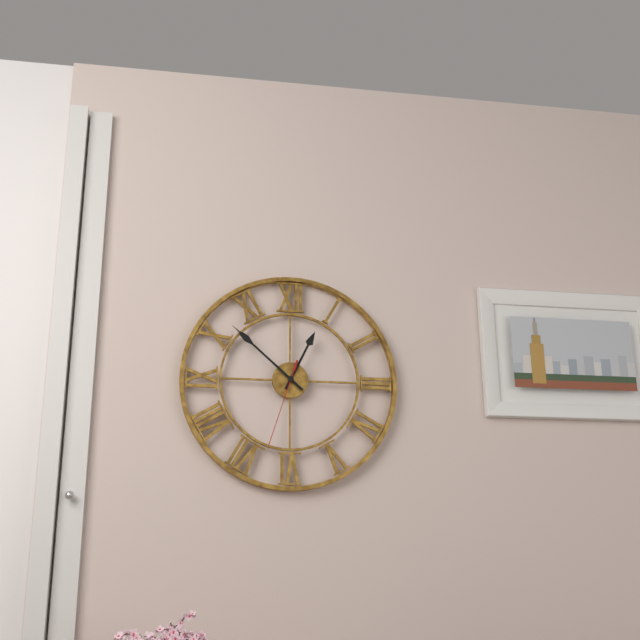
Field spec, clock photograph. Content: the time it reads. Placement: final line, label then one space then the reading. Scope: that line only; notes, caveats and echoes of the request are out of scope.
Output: 12:52:33
